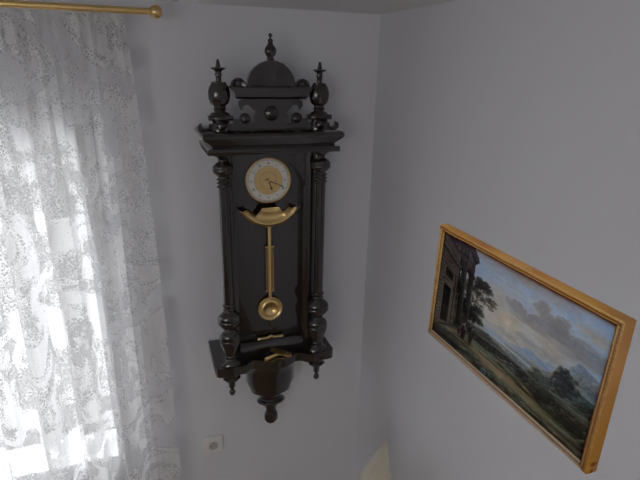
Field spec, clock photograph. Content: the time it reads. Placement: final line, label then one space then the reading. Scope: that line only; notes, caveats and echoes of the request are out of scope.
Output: 5:19
